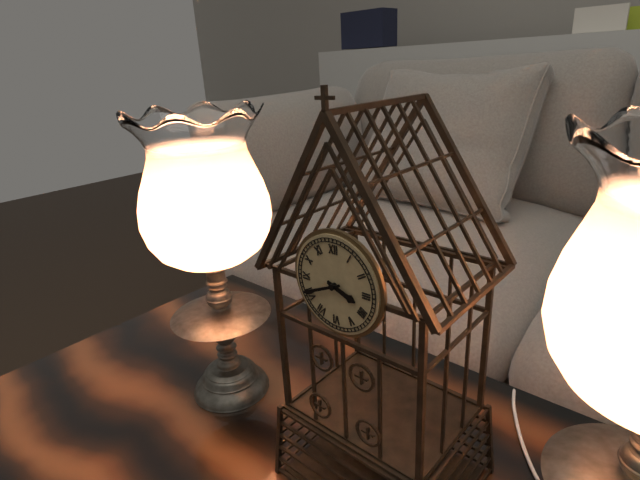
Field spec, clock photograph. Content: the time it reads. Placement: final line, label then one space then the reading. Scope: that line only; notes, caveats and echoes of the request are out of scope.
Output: 3:41
